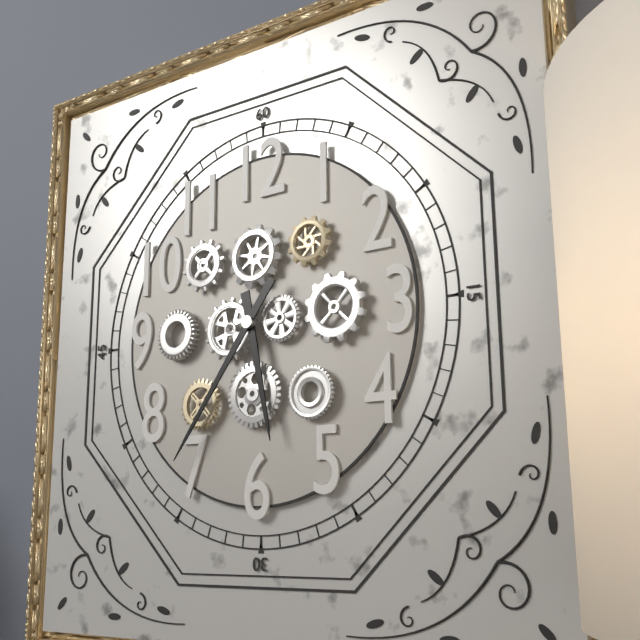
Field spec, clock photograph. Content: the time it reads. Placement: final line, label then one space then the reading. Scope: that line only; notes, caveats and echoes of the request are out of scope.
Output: 5:36
